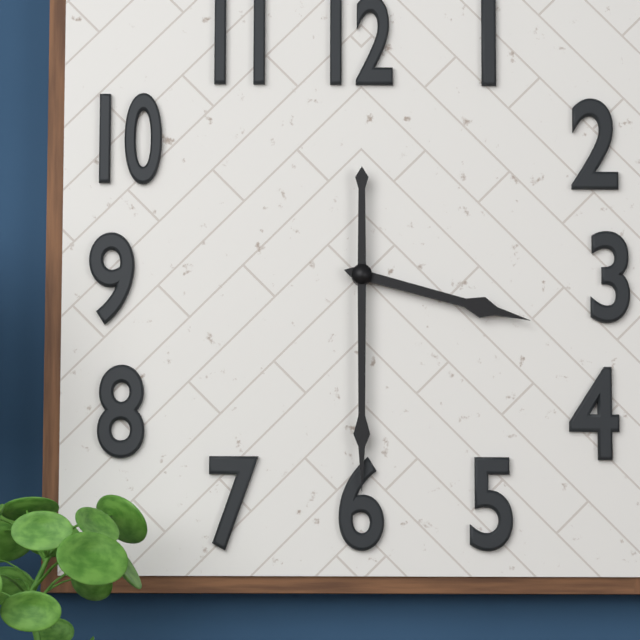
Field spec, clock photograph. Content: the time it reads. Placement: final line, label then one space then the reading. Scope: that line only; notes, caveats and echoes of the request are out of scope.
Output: 3:30
